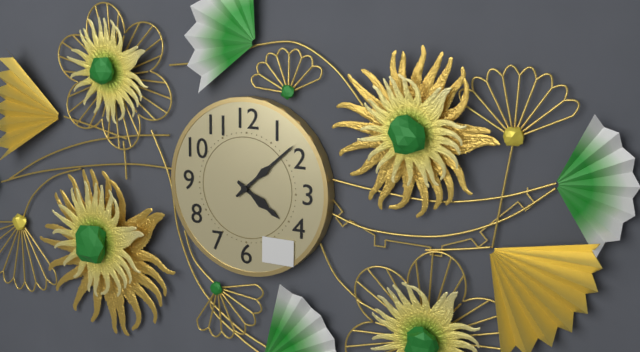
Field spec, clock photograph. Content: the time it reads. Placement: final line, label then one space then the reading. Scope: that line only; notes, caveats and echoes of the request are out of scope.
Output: 4:08
